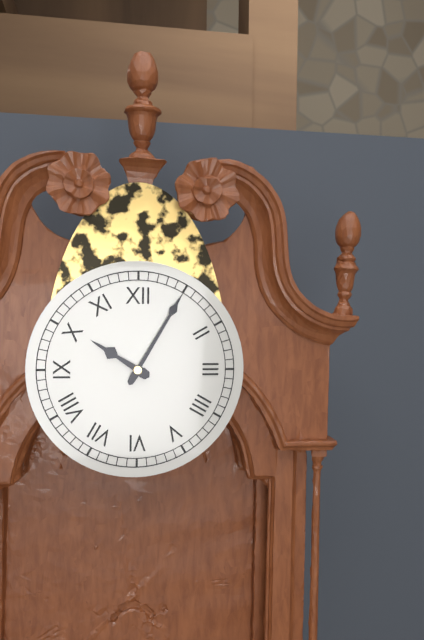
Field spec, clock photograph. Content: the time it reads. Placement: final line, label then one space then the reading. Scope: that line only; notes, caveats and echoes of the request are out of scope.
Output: 10:05
